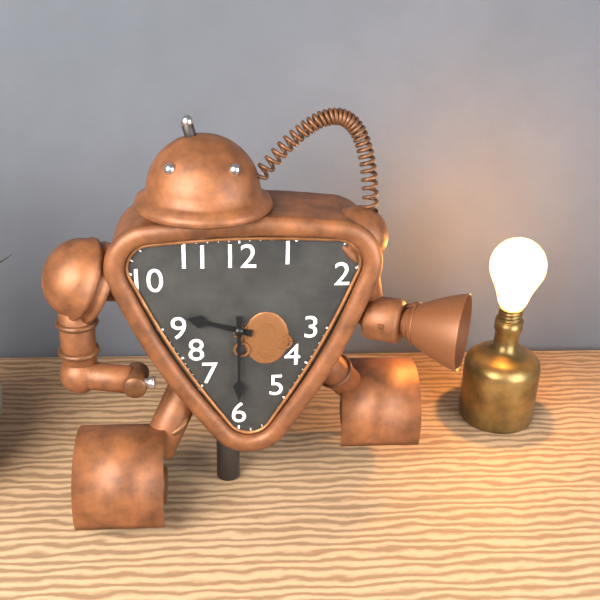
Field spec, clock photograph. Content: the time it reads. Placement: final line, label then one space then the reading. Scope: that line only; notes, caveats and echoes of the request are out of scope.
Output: 9:30
